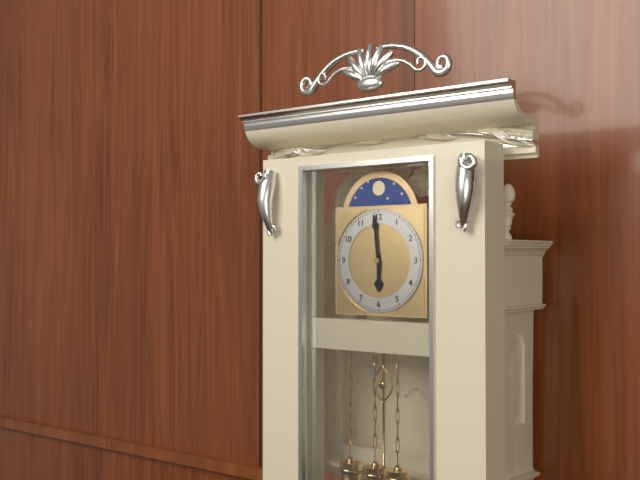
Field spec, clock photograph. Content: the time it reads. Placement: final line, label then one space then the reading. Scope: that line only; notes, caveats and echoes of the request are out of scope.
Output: 5:59
